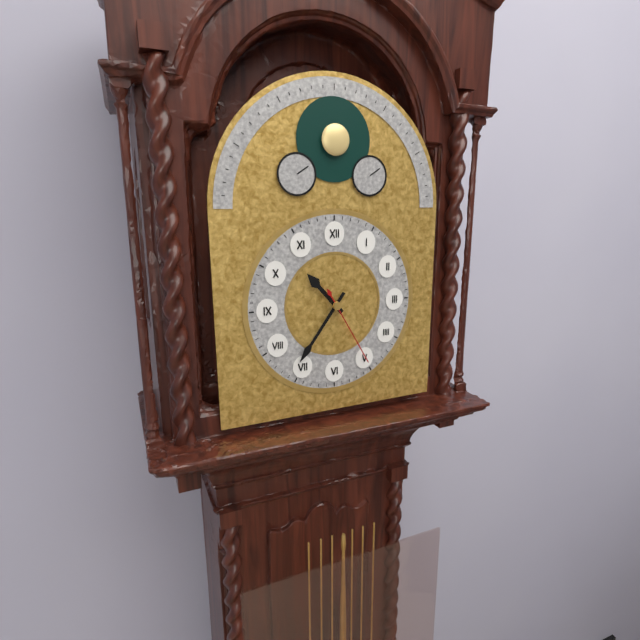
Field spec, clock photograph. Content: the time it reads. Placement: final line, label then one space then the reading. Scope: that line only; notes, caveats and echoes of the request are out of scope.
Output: 10:36:25
